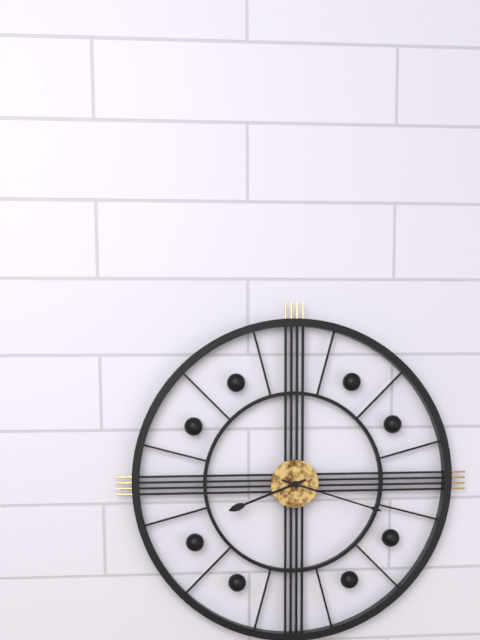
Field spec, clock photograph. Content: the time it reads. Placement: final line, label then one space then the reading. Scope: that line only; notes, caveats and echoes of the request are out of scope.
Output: 8:18
